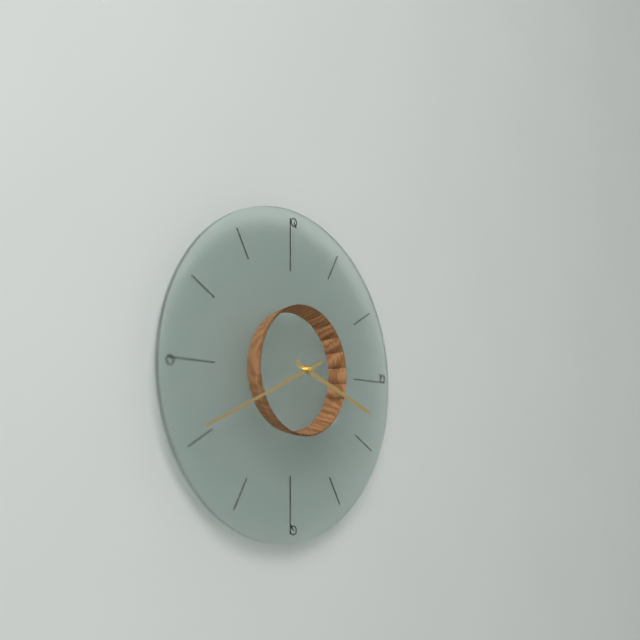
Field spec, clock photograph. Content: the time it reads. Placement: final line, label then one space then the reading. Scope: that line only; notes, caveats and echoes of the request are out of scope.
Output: 3:41
